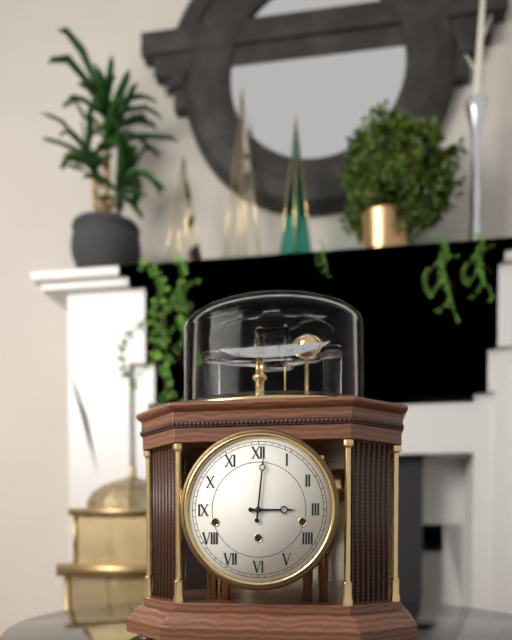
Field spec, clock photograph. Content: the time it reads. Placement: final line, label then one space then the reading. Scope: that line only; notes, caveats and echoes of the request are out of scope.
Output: 3:01
